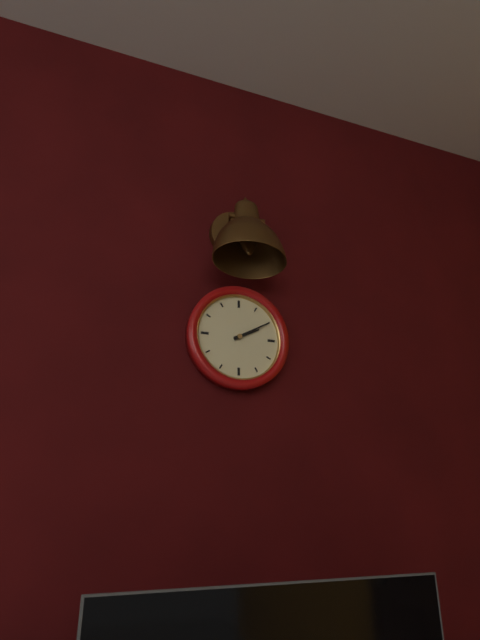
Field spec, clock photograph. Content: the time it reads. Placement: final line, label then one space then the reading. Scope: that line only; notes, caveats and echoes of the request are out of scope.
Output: 2:10
